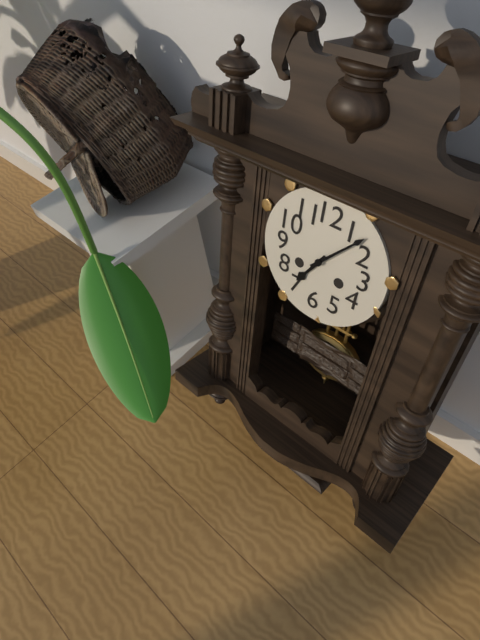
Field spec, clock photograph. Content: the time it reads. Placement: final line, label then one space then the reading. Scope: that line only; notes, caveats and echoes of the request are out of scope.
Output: 7:07
